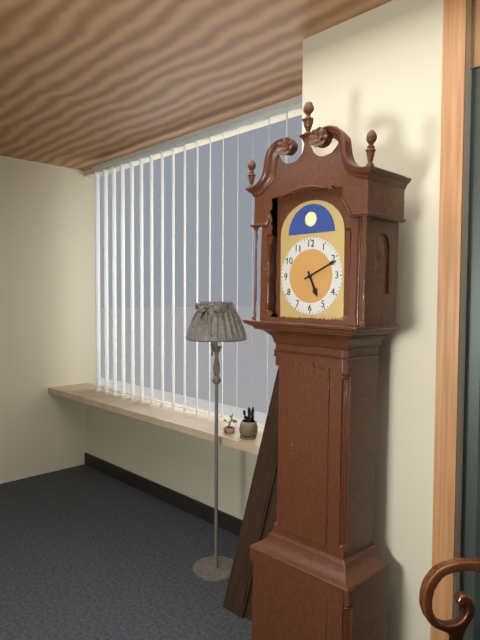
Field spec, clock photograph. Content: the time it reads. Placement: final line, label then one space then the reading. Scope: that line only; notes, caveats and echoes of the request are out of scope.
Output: 5:11
